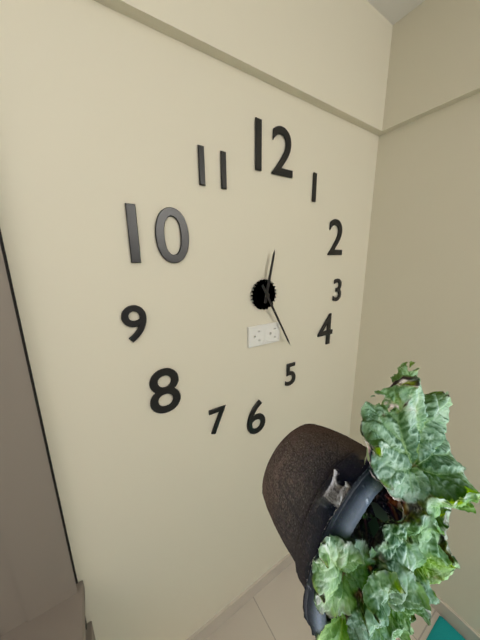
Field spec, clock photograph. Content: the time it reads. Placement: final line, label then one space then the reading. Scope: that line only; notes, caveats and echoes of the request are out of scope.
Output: 12:25
